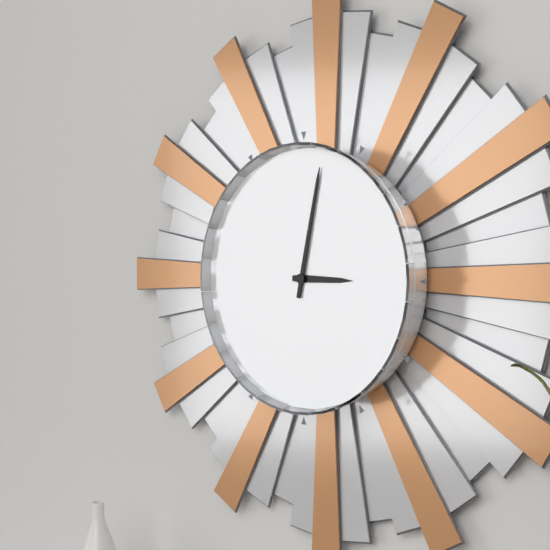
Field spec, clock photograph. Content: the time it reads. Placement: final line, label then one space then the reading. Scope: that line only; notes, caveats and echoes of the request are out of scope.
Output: 3:02
